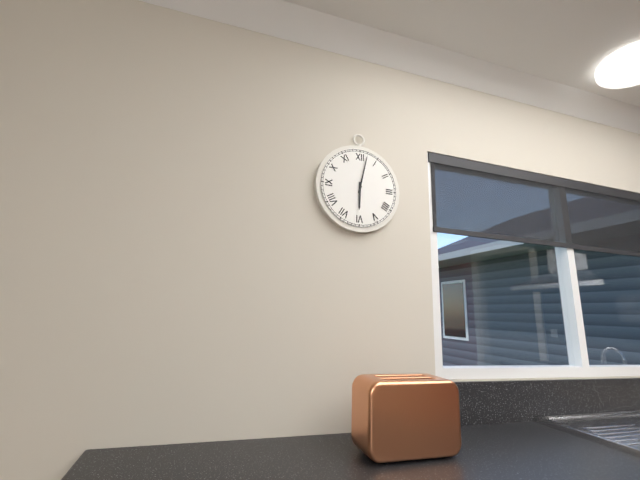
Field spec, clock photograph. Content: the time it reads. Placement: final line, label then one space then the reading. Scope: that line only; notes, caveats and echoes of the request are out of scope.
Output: 6:02
